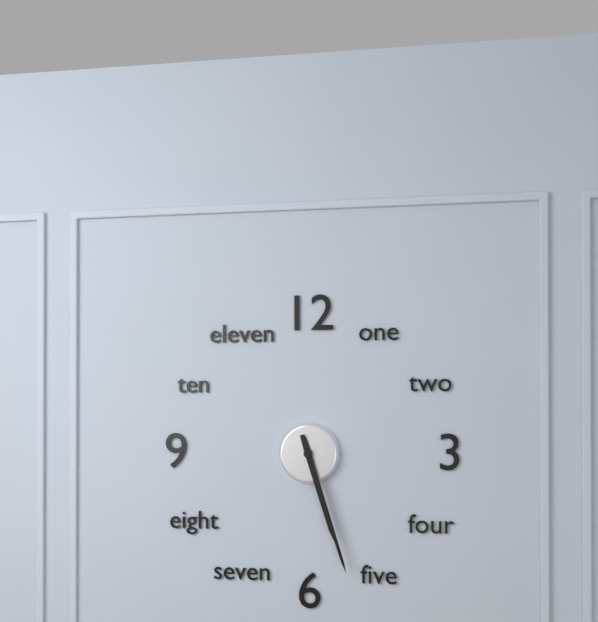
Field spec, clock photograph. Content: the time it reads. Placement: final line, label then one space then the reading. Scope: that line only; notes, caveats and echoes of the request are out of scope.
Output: 5:27
